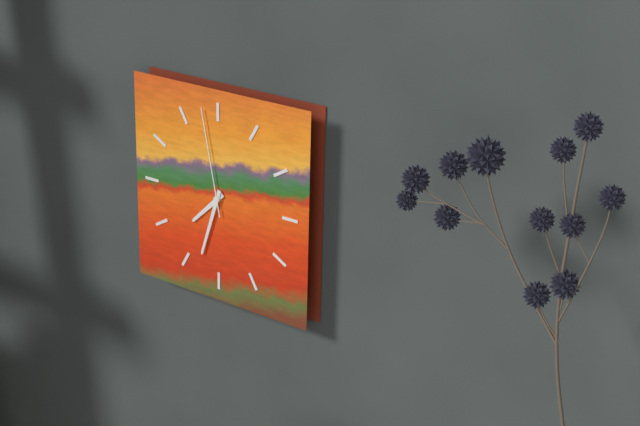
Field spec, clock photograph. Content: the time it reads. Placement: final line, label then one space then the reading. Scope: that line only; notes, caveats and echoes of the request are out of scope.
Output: 7:33:58
